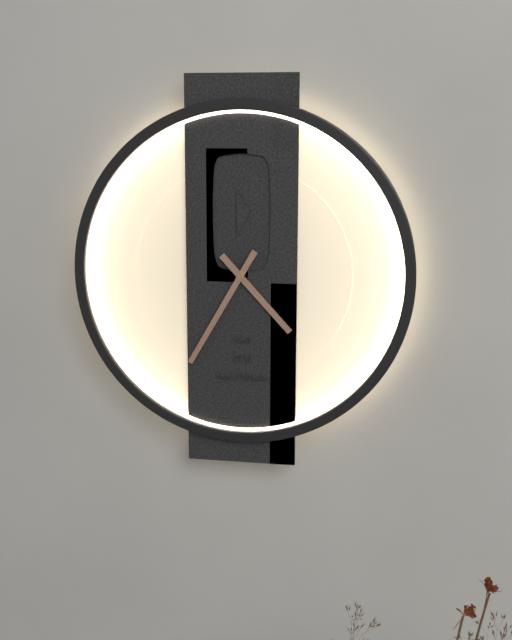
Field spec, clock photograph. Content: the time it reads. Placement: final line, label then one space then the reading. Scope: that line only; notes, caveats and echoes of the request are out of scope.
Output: 4:35
